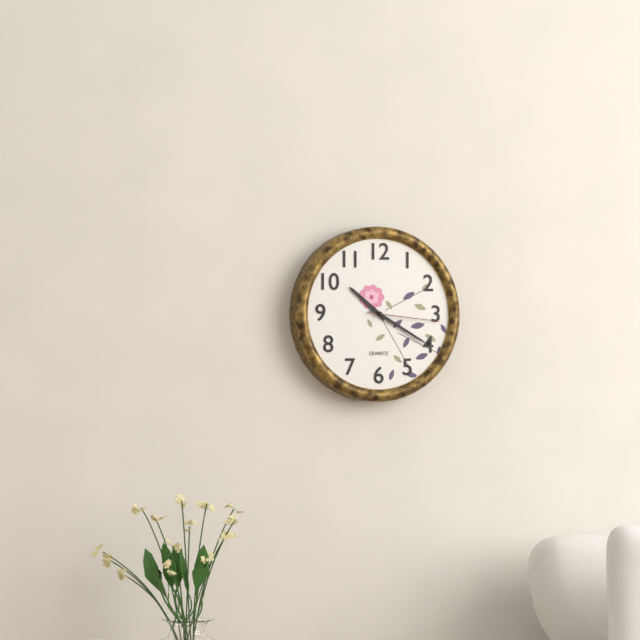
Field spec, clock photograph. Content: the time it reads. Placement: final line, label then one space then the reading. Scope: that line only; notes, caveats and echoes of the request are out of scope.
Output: 10:20:16
